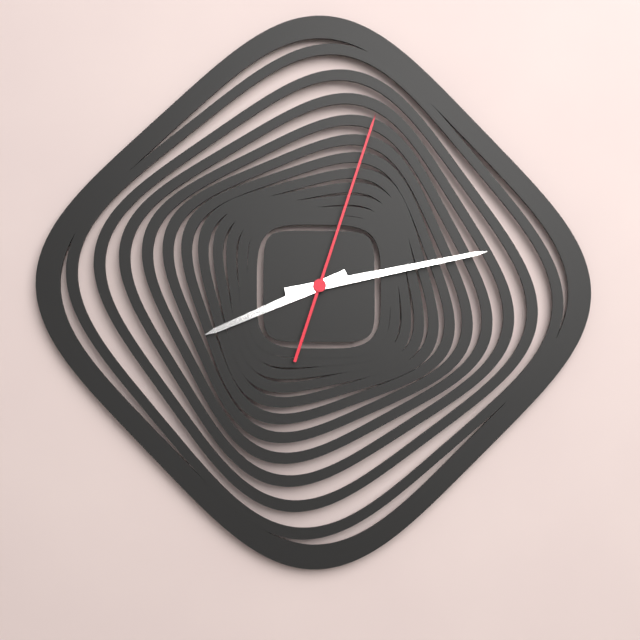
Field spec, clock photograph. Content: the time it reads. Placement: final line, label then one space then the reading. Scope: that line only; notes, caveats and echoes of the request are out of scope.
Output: 8:13:03
